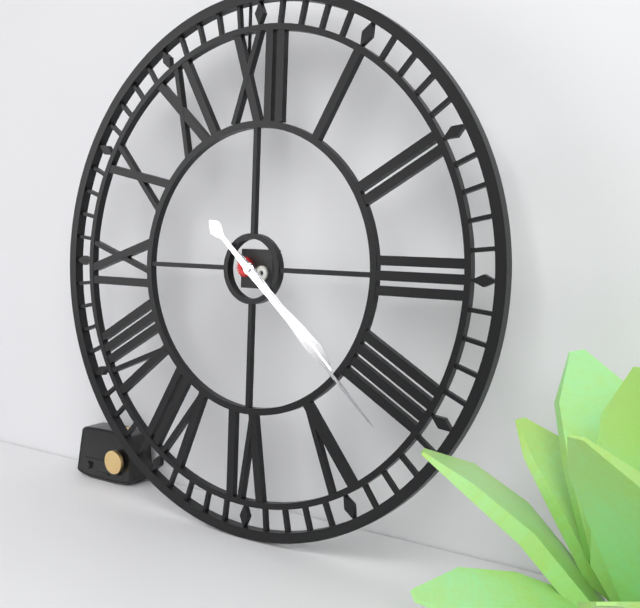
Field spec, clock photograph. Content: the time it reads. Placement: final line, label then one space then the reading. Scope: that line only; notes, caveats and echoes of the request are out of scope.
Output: 4:22
